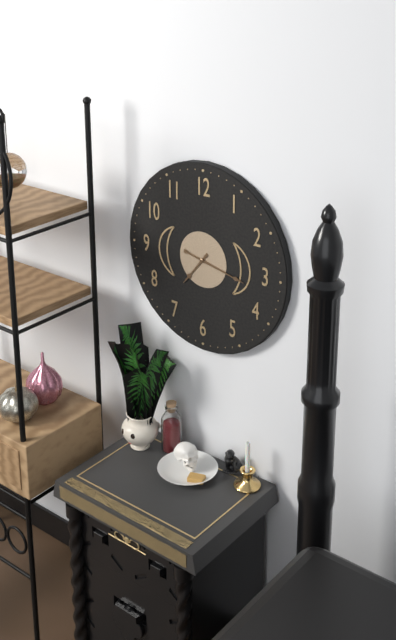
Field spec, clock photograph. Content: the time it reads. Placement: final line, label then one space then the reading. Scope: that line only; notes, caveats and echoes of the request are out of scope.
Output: 7:17
